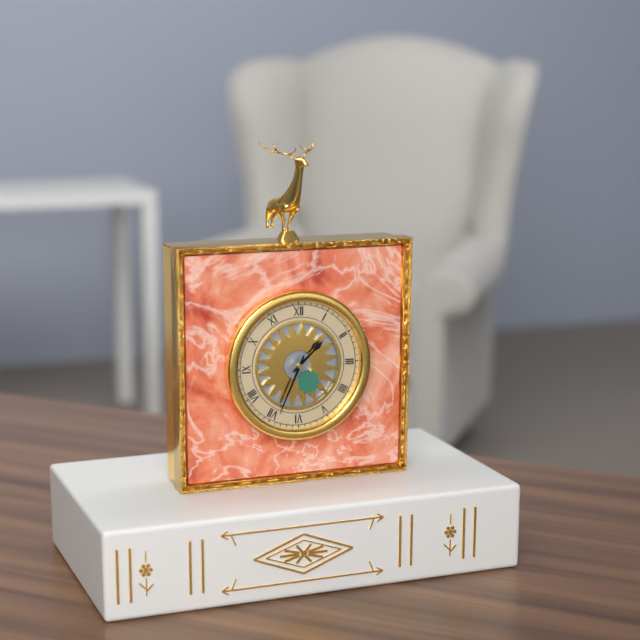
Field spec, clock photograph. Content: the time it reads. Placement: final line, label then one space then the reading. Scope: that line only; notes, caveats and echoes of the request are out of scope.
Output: 1:34
